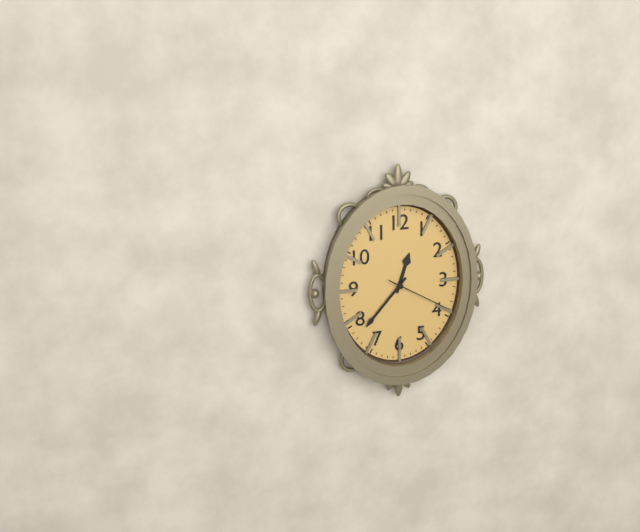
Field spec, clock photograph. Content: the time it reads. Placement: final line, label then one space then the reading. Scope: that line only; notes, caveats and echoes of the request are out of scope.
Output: 12:37:20
